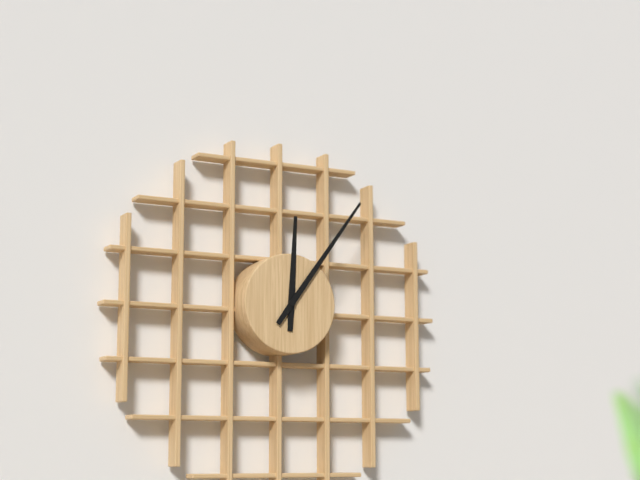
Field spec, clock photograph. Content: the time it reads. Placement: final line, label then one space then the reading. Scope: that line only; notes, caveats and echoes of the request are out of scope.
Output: 12:06
